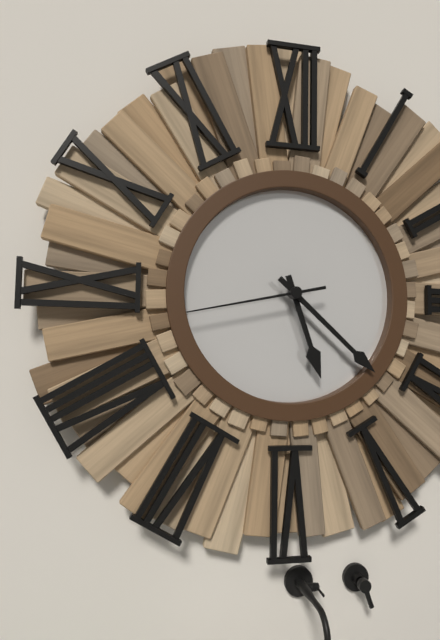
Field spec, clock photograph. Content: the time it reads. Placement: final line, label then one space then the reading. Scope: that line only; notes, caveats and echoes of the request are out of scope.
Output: 5:22:43
